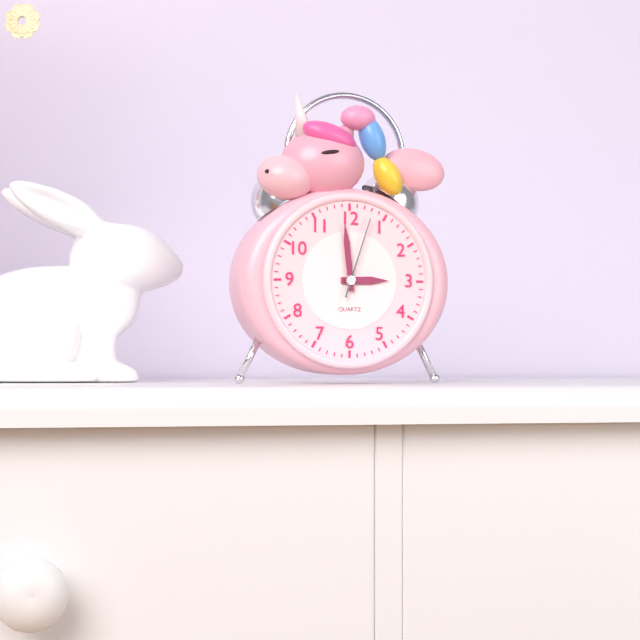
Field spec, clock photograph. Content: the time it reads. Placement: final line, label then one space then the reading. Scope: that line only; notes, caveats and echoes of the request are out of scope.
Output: 2:59:03
